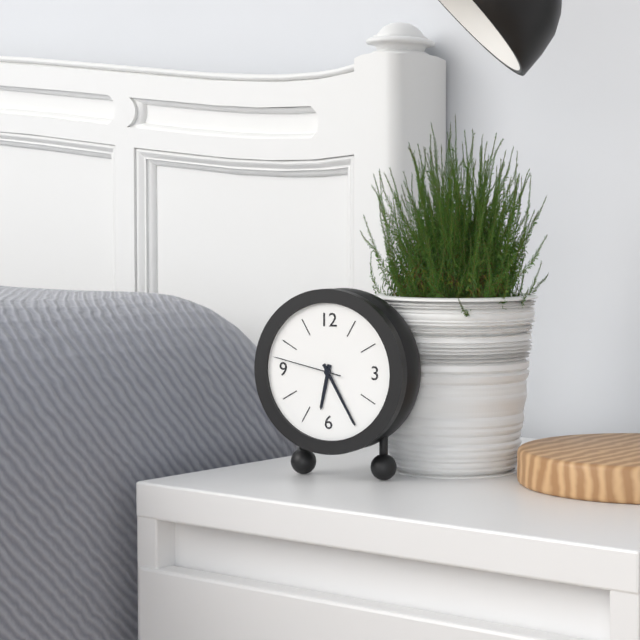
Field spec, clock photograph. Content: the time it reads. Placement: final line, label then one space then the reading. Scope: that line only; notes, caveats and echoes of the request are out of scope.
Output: 6:25:47
